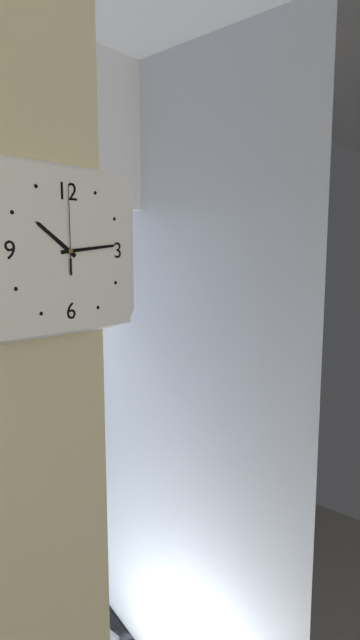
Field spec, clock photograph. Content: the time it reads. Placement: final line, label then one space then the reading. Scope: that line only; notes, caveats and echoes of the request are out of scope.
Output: 10:14:00
